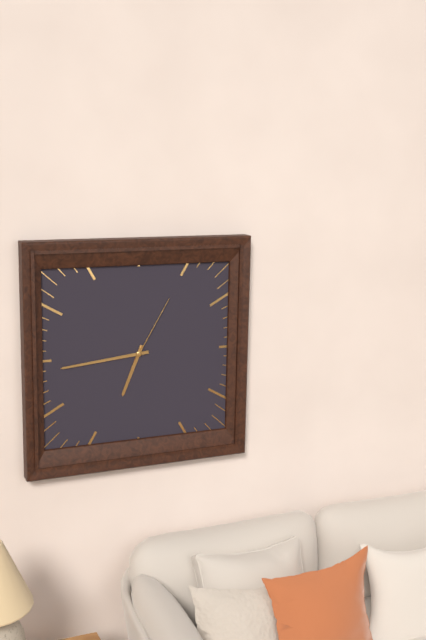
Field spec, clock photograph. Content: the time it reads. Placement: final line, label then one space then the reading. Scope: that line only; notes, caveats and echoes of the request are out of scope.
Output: 6:44:05
